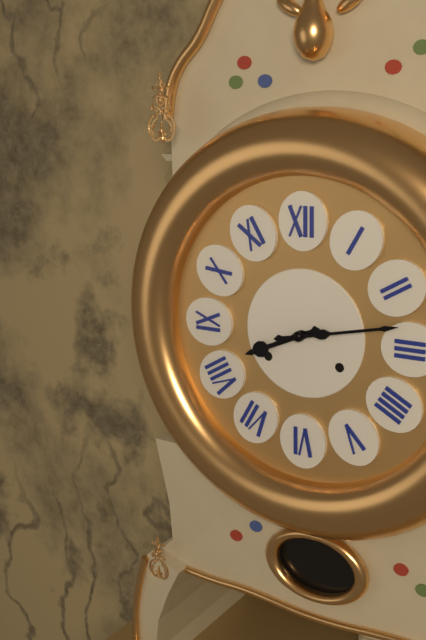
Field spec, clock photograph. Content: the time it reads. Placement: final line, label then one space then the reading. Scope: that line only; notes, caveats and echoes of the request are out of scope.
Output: 8:13
